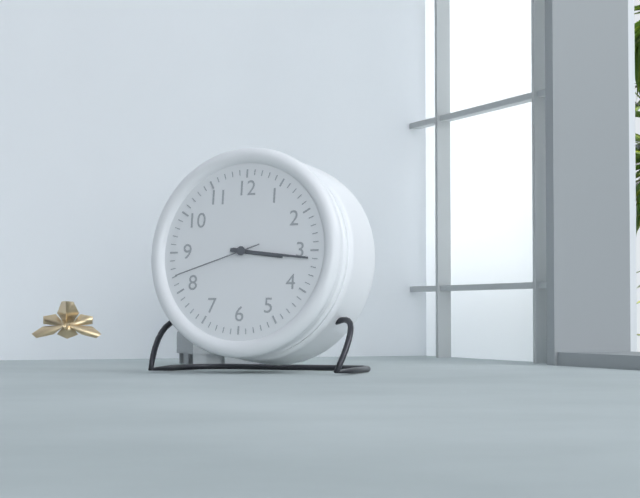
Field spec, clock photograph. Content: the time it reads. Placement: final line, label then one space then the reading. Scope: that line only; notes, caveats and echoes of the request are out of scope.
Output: 3:16:42
